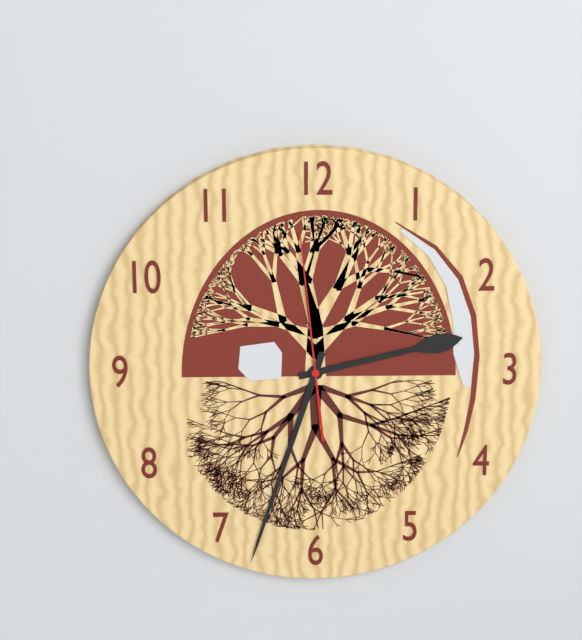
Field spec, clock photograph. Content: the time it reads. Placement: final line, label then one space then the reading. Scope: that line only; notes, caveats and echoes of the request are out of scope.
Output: 2:33:59
